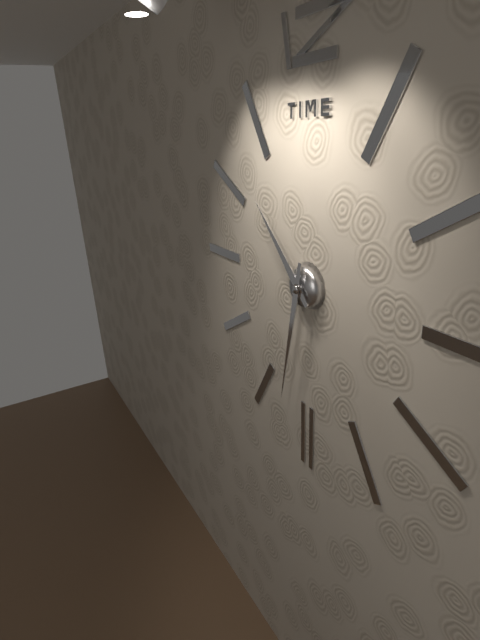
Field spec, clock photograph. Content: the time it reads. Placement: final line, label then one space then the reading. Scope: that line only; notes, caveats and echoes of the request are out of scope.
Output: 10:32
